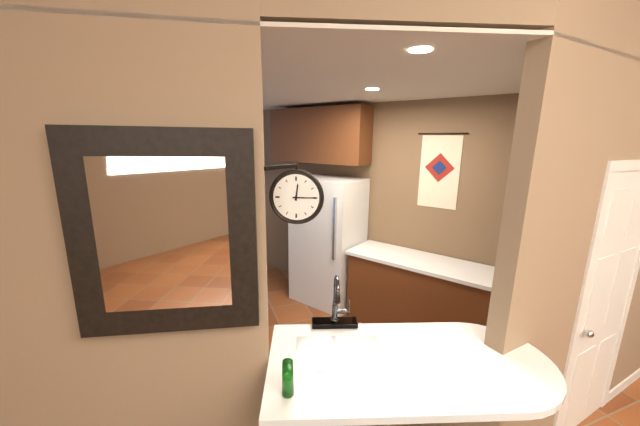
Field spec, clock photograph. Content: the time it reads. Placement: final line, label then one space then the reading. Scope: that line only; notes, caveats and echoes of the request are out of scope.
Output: 12:15
